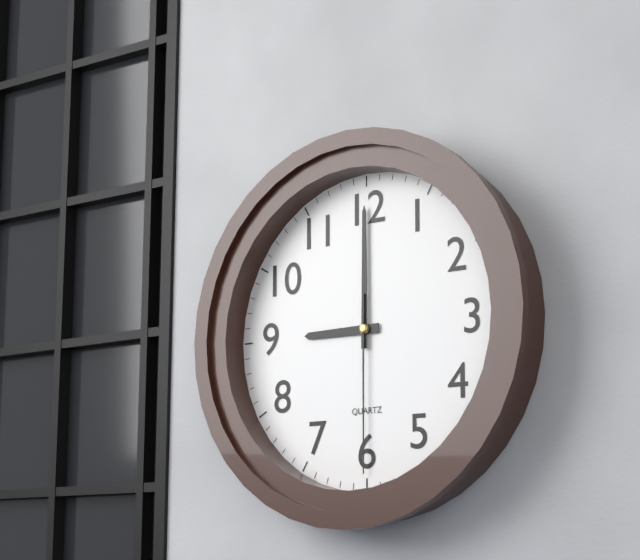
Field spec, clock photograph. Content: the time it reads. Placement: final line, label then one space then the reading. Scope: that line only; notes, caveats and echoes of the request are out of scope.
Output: 9:00:30
